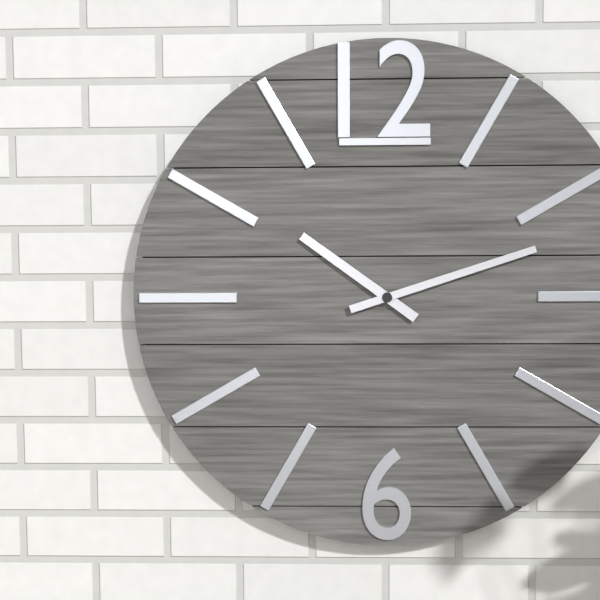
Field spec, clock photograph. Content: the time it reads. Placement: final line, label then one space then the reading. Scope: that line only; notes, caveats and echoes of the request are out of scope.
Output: 10:12
